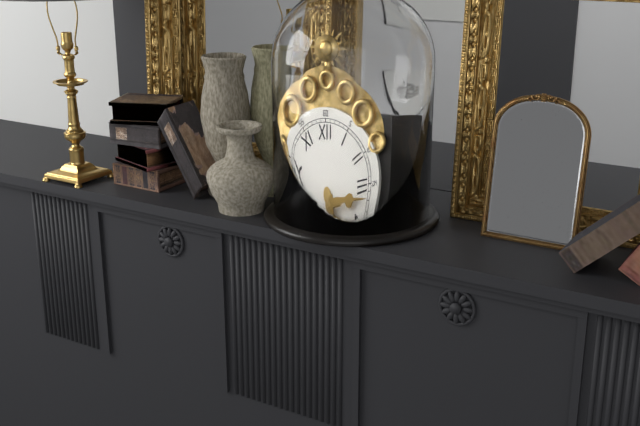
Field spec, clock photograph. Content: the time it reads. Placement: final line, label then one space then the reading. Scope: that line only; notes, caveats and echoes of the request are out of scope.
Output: 9:17
